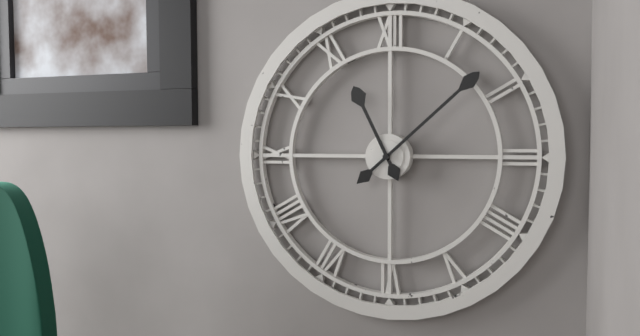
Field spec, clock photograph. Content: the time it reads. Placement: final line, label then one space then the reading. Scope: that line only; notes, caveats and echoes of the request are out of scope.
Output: 11:08
